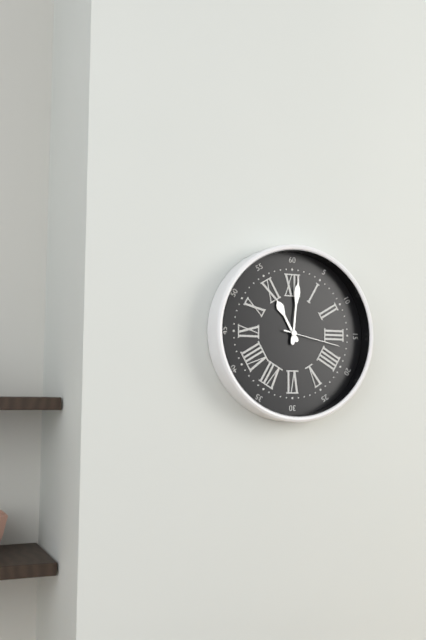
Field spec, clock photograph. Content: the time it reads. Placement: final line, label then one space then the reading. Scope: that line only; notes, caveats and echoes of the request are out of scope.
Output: 11:01:17
